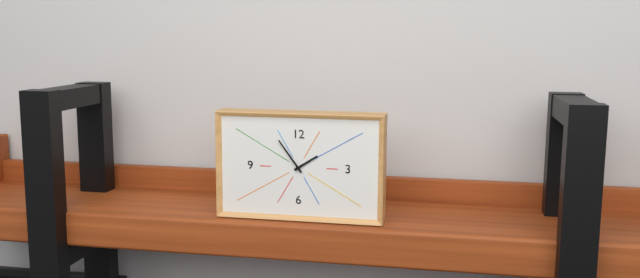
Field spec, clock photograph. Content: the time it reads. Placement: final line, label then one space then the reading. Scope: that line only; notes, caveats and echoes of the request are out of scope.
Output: 1:54
